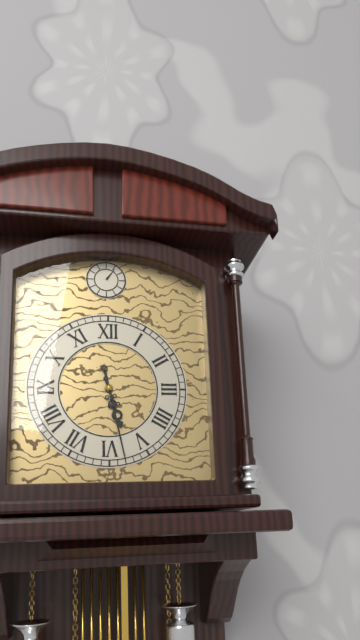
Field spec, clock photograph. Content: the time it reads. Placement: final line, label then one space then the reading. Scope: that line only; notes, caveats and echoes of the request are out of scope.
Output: 5:28
